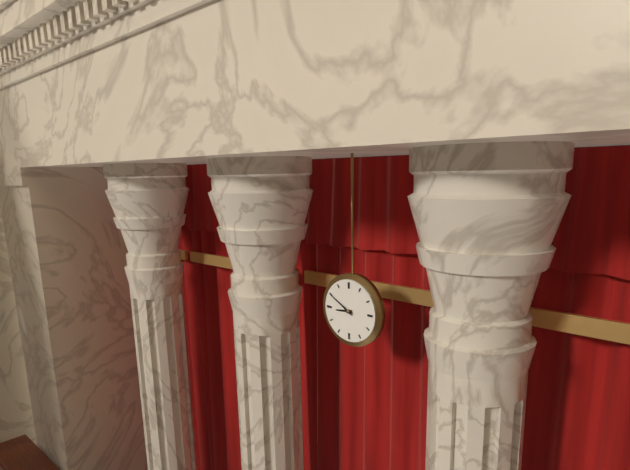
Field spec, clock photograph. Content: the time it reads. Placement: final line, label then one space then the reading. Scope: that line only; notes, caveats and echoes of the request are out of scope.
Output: 8:50
